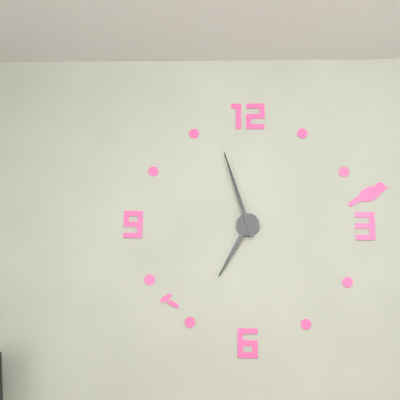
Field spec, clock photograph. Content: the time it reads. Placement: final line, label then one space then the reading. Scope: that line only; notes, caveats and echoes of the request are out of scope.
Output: 6:57
